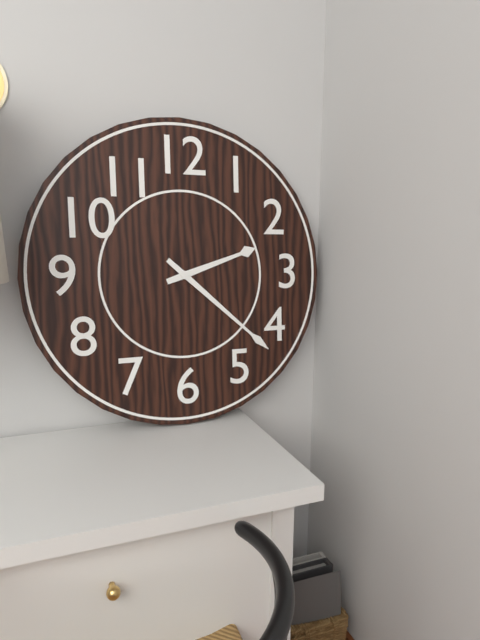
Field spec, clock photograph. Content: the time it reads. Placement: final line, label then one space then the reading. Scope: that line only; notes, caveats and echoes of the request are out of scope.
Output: 2:22
